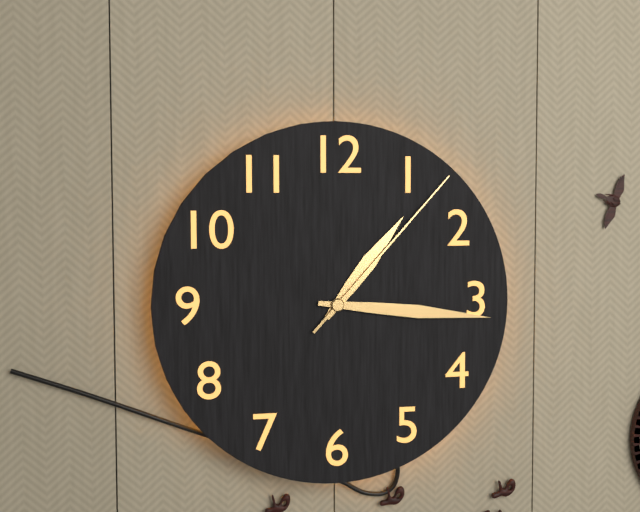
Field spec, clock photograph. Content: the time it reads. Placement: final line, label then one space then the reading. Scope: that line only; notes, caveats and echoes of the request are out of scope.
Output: 1:16:07
